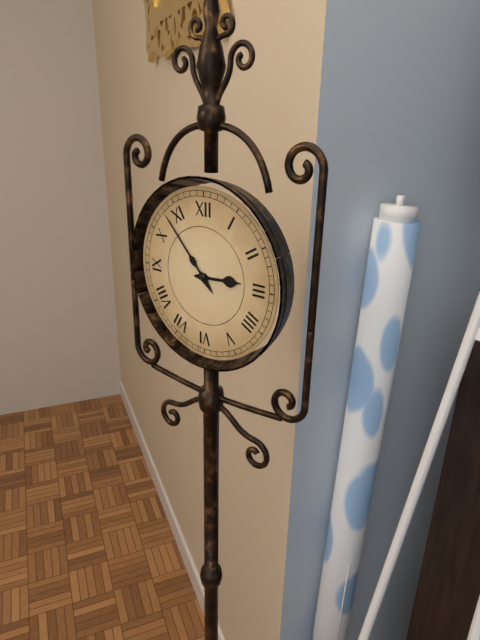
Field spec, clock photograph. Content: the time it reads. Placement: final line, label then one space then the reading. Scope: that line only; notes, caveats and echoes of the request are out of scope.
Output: 2:53
